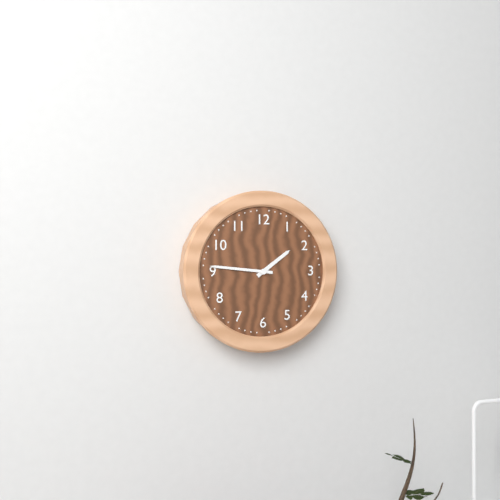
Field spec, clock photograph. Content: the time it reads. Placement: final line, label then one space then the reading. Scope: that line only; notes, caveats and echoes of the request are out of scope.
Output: 1:46
